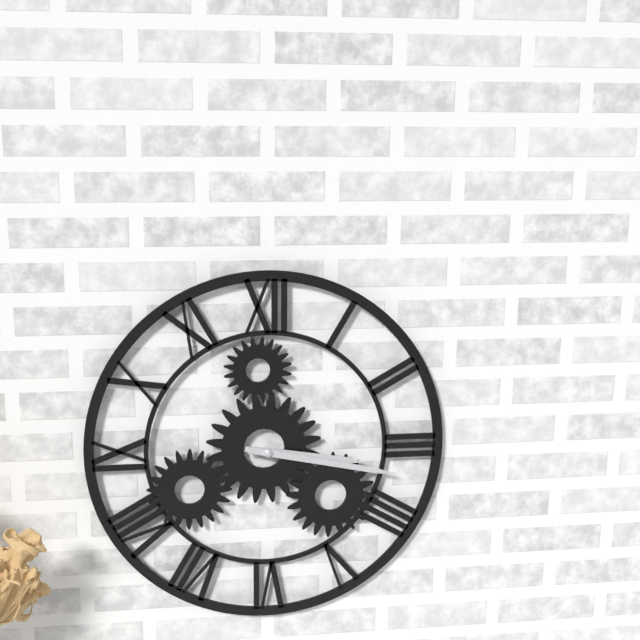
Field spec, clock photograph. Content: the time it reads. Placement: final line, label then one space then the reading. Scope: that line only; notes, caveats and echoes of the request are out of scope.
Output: 3:17
